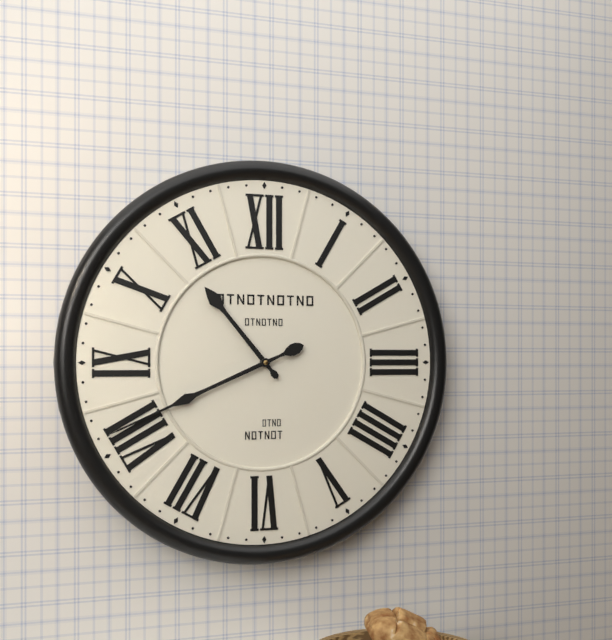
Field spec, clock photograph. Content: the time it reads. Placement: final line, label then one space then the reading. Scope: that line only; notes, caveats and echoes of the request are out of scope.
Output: 10:41
